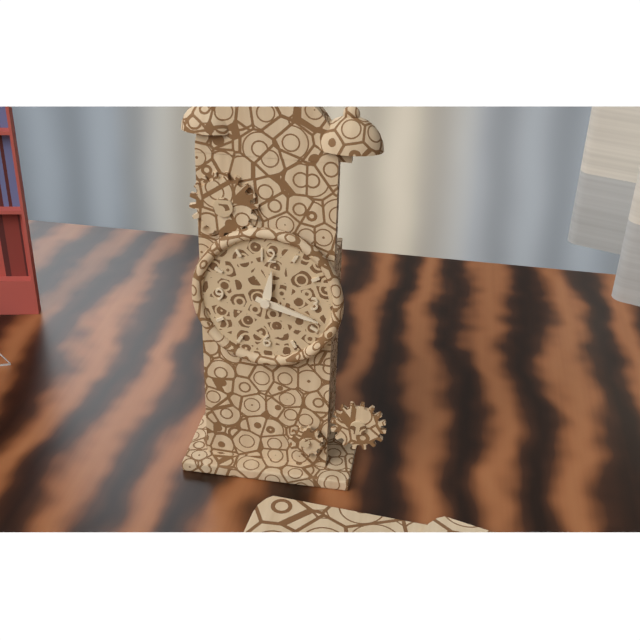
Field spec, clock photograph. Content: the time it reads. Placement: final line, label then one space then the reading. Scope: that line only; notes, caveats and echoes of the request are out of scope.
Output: 12:18
